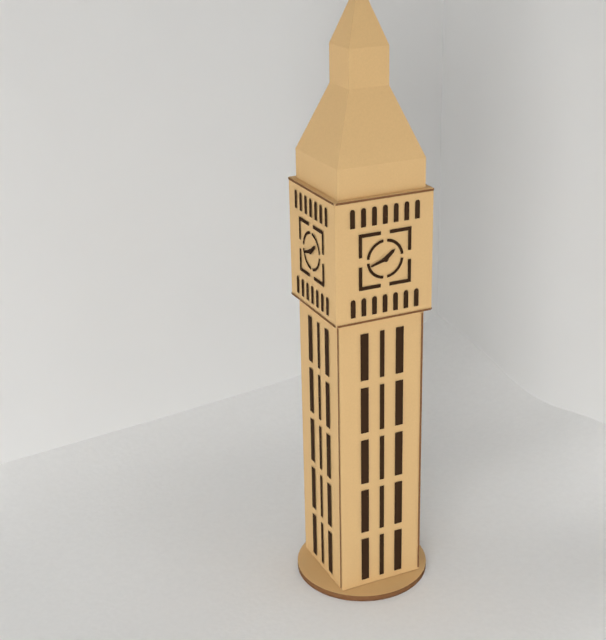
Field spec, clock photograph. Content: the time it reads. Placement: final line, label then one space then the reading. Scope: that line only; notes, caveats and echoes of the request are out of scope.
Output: 1:42
